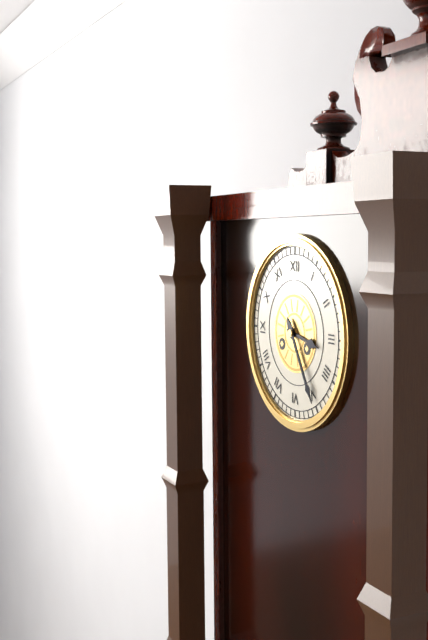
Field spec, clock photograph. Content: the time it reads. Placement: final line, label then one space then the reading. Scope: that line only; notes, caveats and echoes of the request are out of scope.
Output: 3:25
